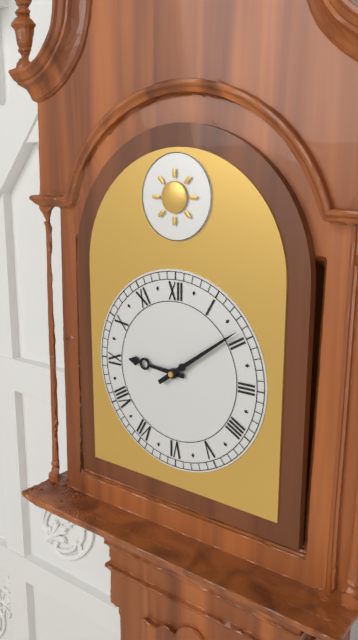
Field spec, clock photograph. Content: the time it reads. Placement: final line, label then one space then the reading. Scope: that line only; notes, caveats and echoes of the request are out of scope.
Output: 9:09
